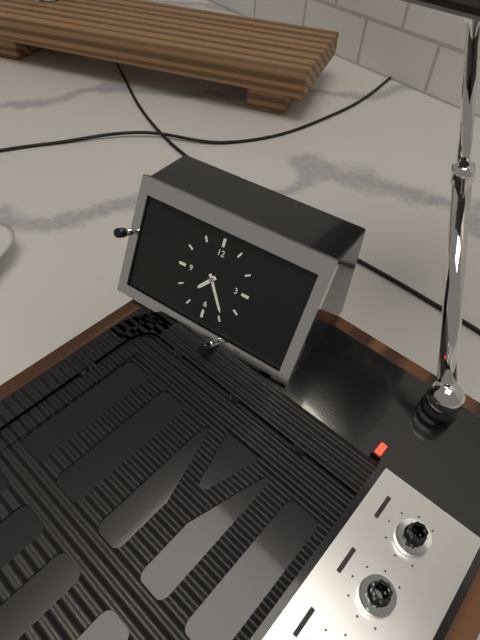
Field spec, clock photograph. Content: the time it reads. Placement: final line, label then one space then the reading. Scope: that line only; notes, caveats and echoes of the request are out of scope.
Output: 7:24
